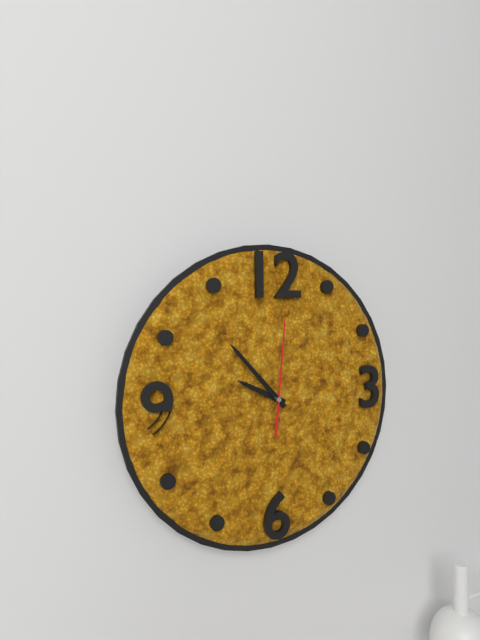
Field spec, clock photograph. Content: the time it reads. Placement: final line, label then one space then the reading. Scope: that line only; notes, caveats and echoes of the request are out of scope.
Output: 9:53:01
